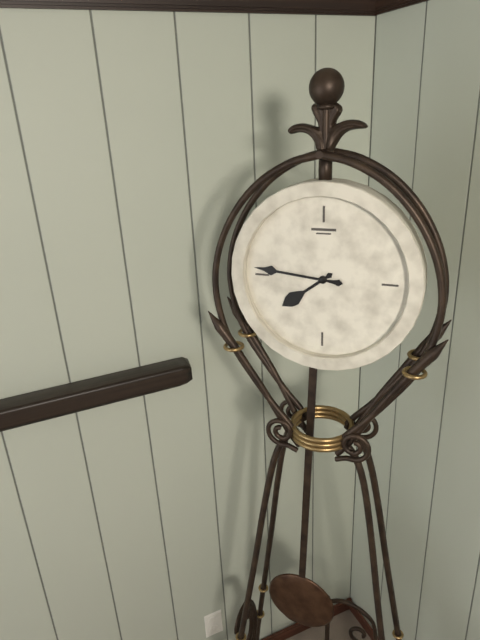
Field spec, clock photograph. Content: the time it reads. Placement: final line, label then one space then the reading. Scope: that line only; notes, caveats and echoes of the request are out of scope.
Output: 7:46
